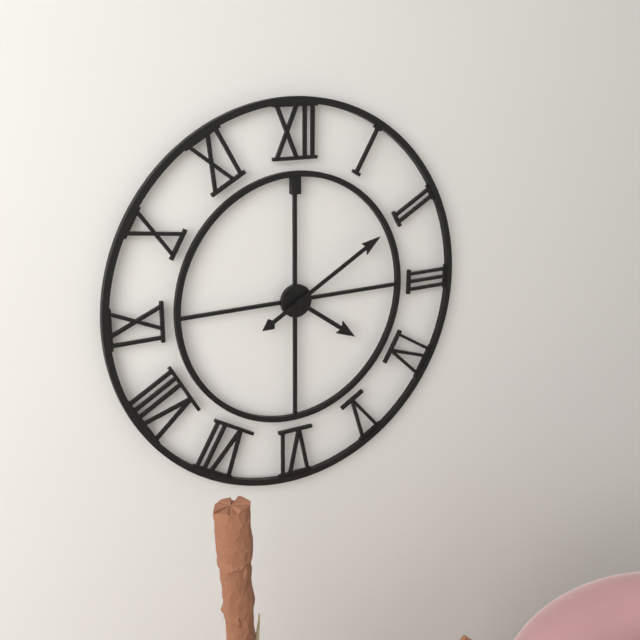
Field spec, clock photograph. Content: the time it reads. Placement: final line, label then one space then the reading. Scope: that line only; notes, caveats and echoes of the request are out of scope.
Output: 4:10
